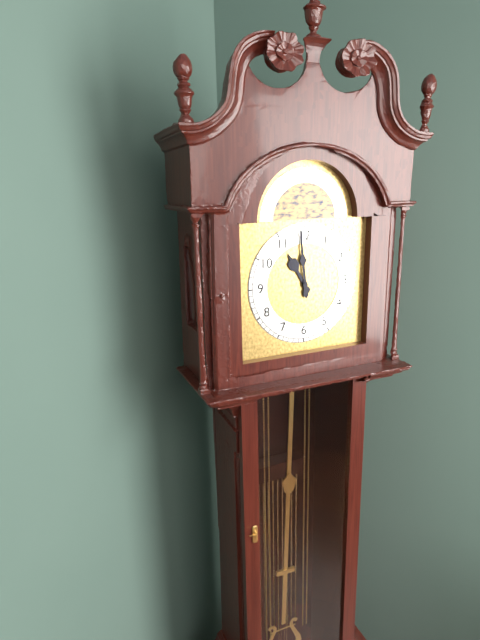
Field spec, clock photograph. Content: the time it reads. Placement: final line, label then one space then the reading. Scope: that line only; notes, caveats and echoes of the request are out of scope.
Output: 10:59
